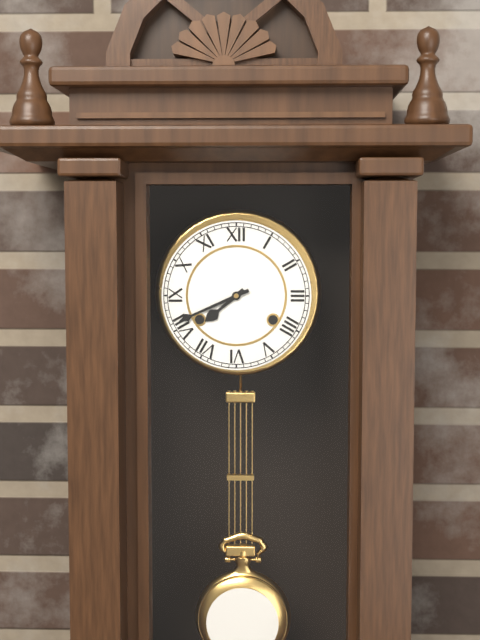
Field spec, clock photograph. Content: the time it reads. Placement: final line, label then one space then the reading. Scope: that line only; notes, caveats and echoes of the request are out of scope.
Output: 7:41
